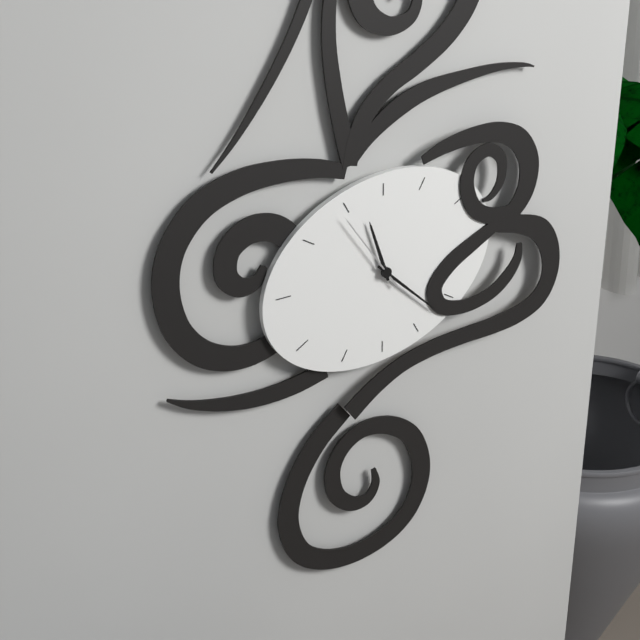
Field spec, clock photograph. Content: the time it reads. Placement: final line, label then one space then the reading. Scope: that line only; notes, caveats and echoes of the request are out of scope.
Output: 11:22:54
